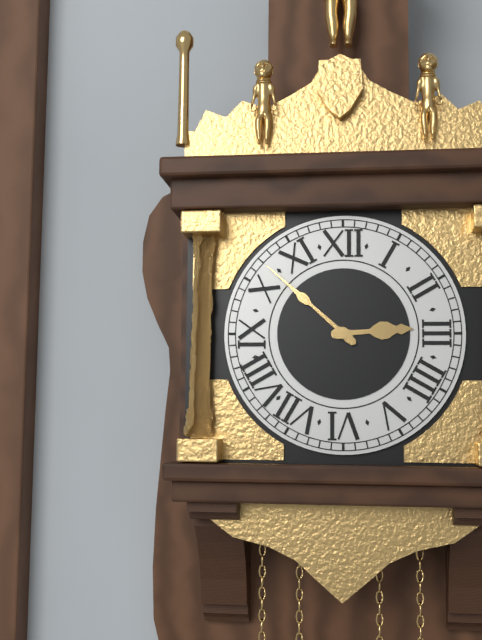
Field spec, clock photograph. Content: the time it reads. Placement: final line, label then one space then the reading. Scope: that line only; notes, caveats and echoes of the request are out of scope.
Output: 2:52
